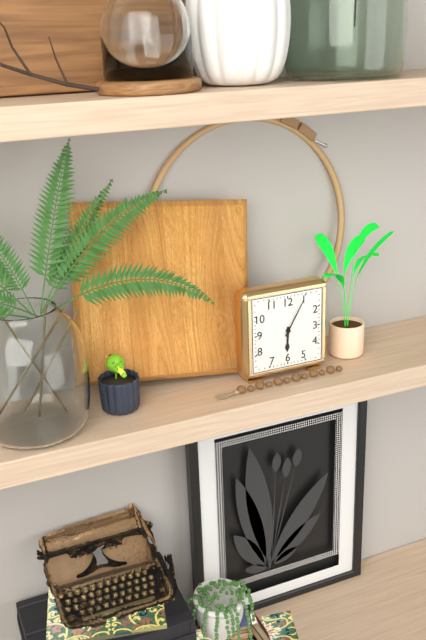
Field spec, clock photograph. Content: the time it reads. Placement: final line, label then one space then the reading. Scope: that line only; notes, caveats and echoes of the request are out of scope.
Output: 6:05
